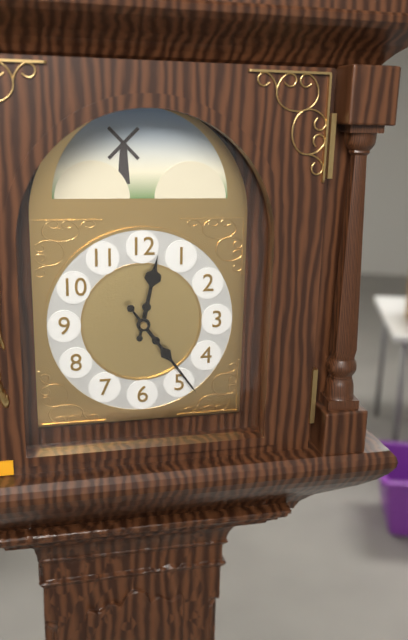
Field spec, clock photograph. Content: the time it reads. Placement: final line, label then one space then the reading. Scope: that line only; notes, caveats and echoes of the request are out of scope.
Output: 12:24
